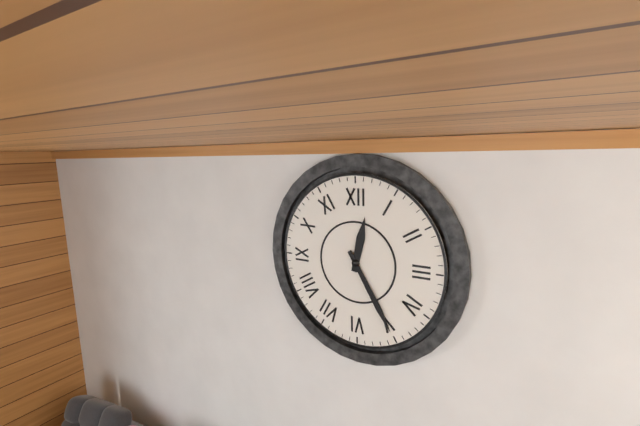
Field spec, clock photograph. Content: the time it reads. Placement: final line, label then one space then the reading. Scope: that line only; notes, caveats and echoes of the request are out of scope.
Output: 12:25
